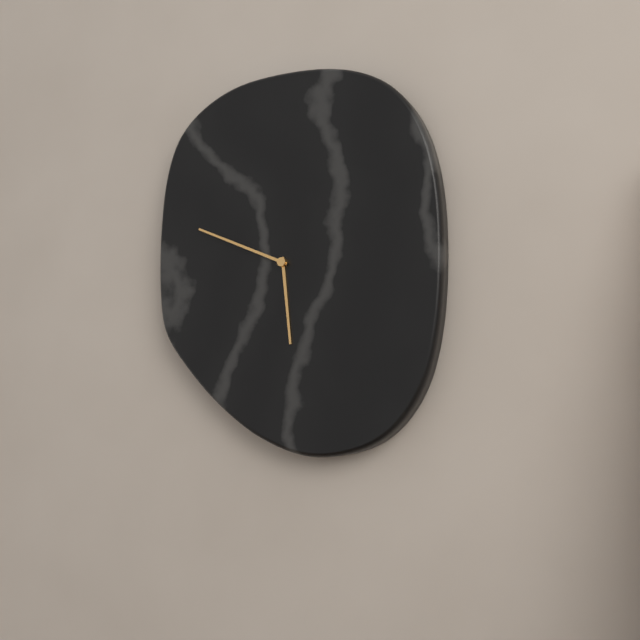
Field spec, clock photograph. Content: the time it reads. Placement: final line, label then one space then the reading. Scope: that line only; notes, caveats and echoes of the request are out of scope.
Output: 5:49
